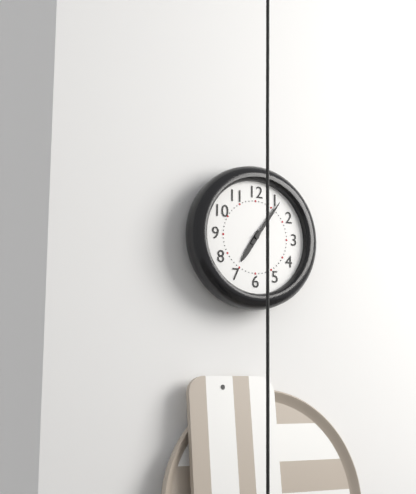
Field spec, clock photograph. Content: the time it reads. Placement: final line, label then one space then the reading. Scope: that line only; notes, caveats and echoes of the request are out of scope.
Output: 7:06
